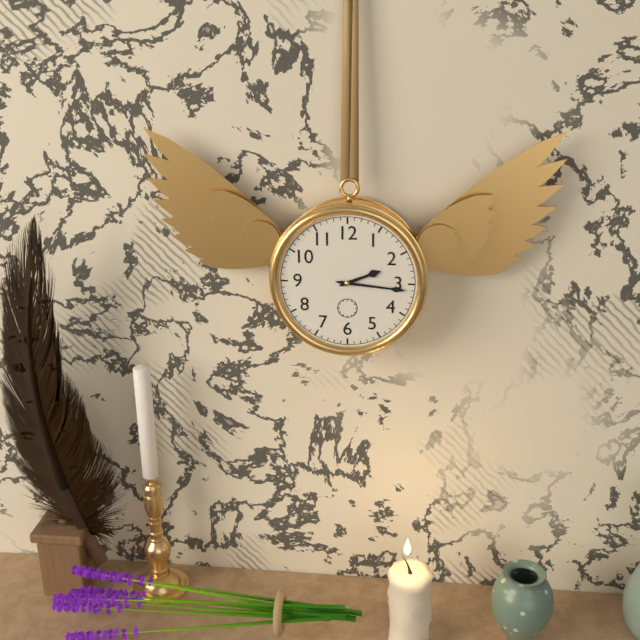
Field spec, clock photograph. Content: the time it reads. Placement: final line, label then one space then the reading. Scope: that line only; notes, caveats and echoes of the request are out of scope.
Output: 2:16
